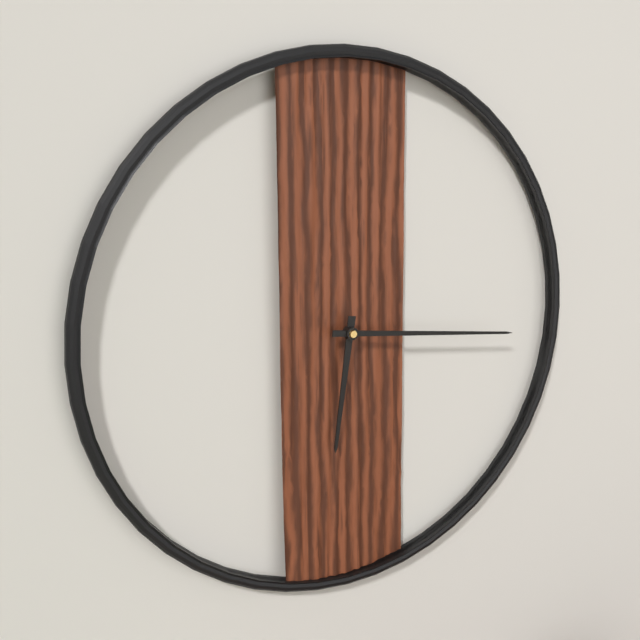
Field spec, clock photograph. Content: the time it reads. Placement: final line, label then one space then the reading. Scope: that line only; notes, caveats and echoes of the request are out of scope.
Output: 6:16
